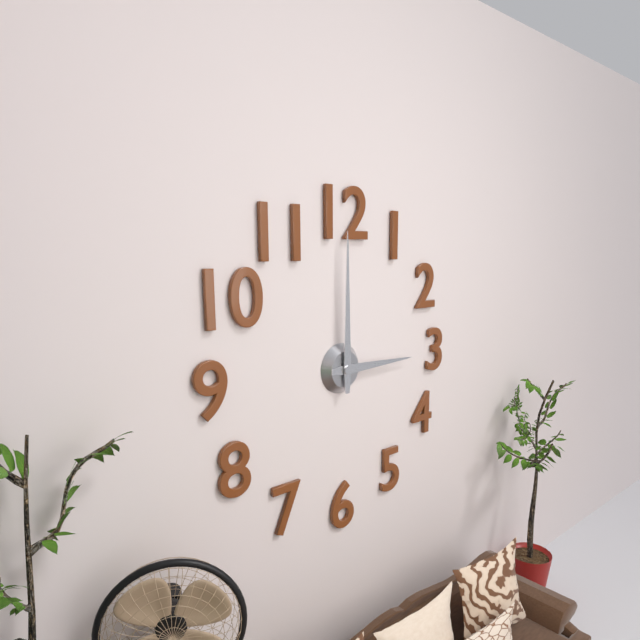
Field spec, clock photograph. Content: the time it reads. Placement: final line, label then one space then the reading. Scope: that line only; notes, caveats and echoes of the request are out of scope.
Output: 3:00
